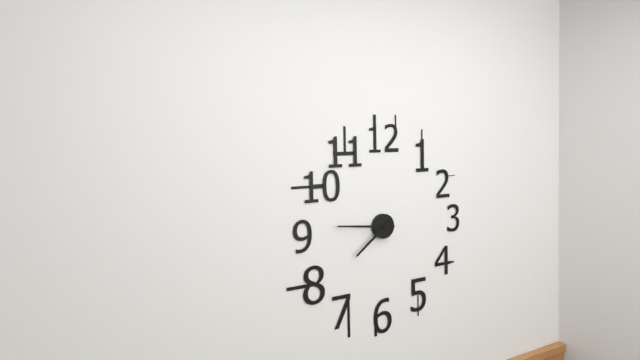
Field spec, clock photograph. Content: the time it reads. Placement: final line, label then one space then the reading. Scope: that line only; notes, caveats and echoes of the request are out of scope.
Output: 7:46
